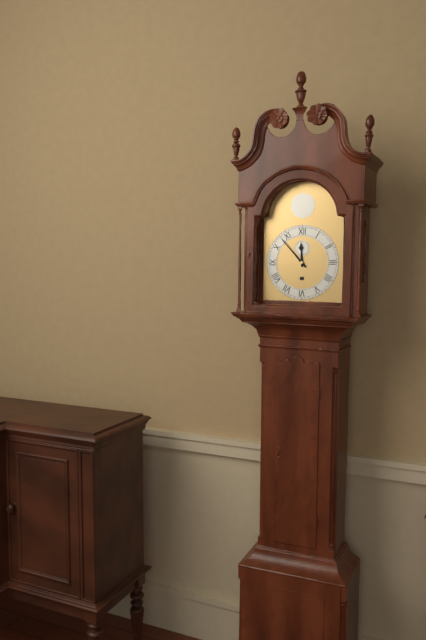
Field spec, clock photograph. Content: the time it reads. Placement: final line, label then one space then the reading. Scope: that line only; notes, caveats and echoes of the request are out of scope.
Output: 11:53
